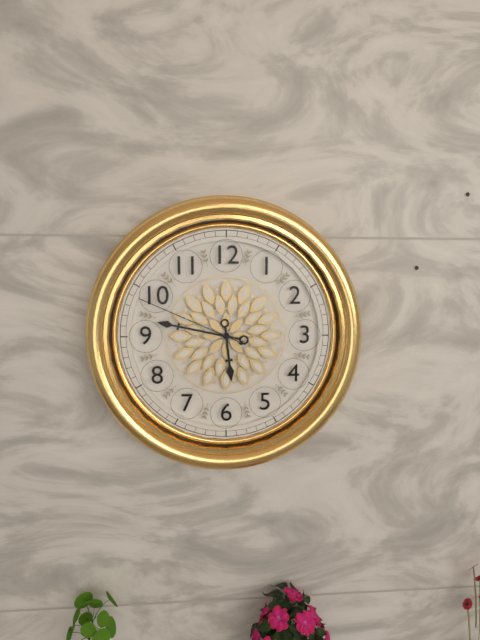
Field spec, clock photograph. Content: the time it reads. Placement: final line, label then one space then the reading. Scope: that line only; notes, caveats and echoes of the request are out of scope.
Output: 5:47:49
